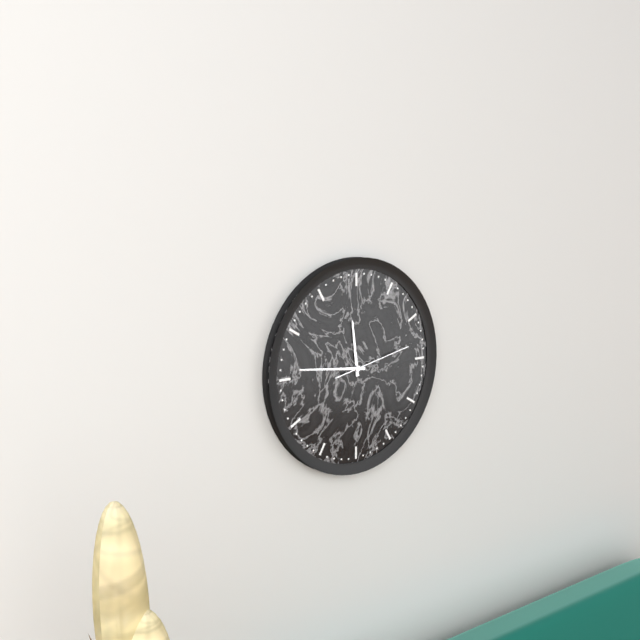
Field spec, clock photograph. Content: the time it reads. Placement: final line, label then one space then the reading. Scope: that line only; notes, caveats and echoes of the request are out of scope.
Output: 11:46:13
